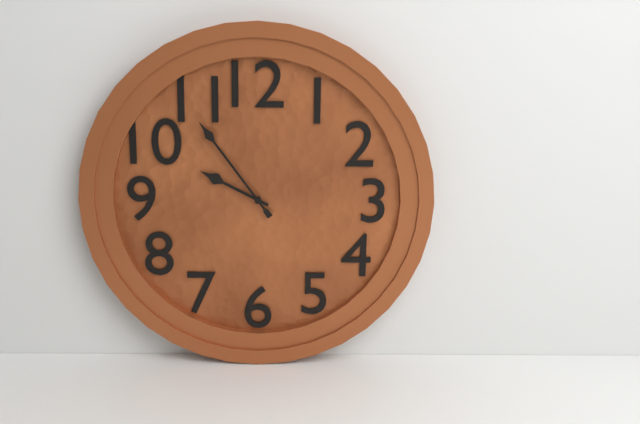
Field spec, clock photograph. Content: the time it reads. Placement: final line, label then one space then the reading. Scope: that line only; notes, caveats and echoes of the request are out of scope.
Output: 9:54
